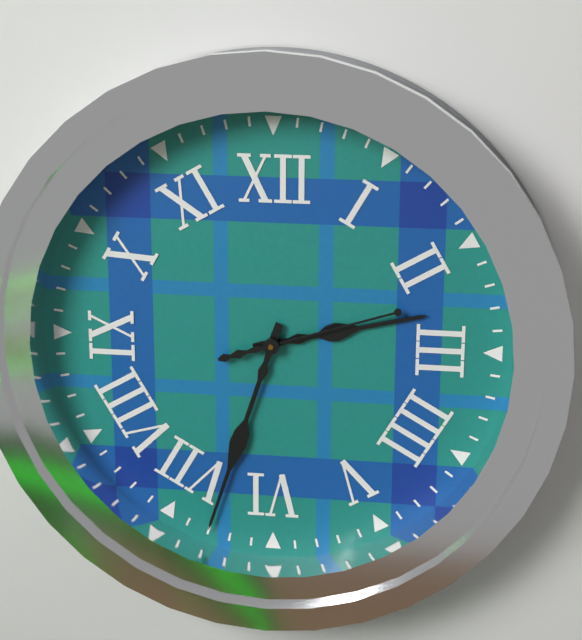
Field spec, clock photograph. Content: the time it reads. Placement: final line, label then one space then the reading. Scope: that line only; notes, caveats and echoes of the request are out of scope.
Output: 2:33:12
